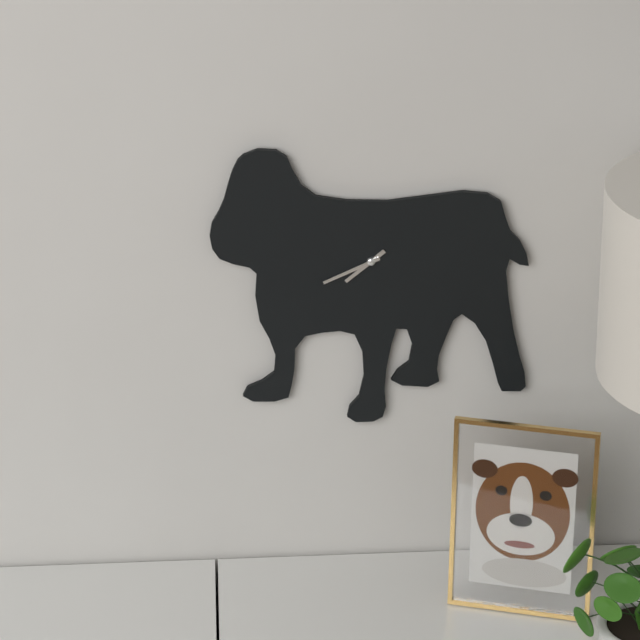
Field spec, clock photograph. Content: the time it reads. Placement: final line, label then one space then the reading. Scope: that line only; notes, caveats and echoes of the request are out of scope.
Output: 7:41
